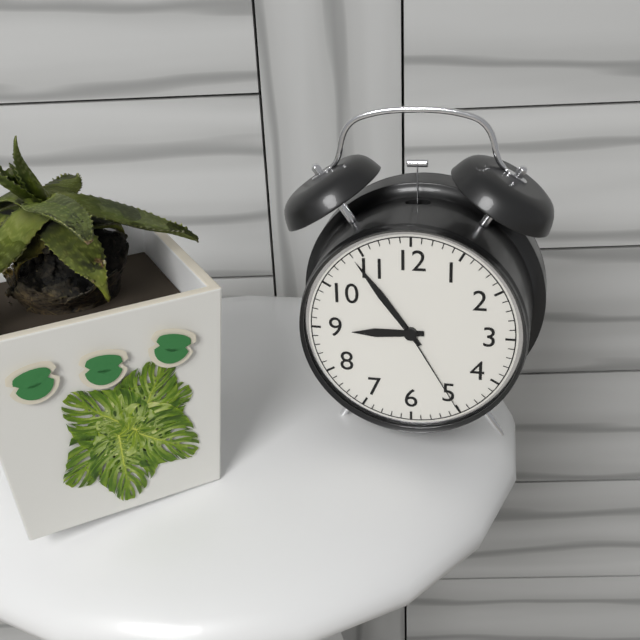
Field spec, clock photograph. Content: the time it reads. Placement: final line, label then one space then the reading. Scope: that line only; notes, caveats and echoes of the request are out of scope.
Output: 8:54:25
